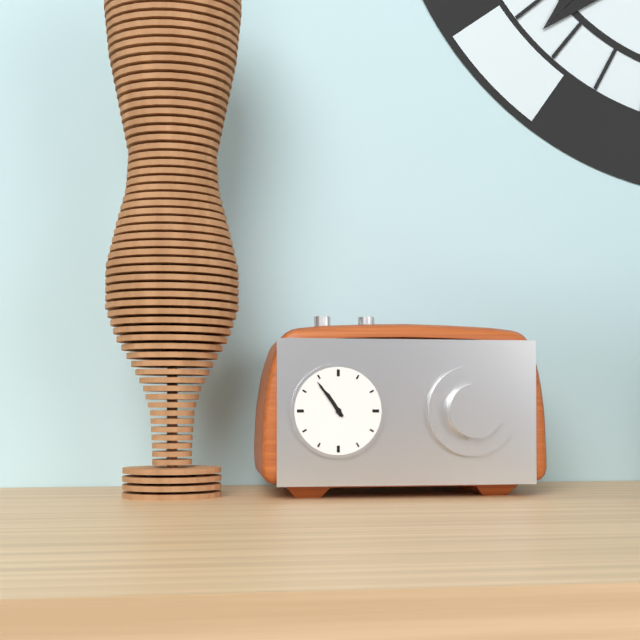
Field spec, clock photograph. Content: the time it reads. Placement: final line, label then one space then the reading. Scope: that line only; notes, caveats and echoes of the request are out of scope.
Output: 10:54
